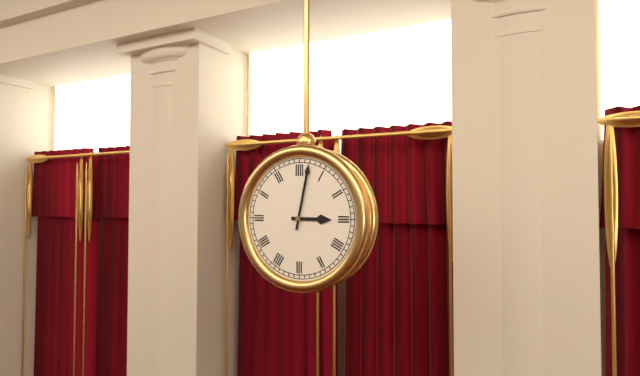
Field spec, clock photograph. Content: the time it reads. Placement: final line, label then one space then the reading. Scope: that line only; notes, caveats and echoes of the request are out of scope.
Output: 3:02
